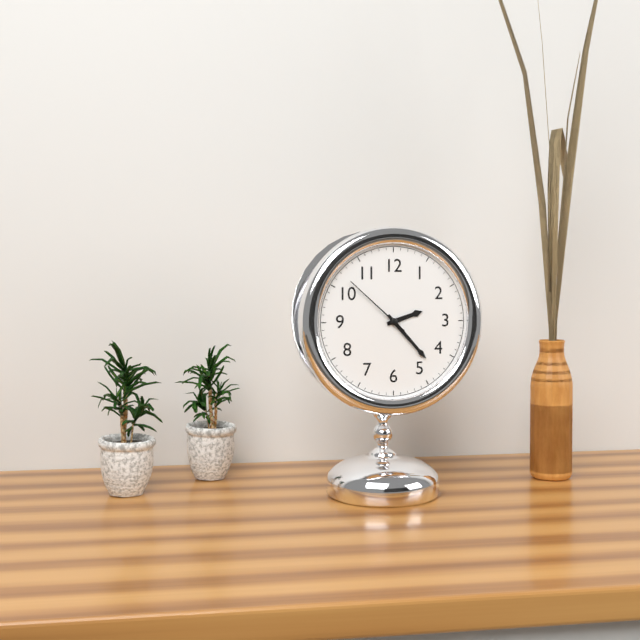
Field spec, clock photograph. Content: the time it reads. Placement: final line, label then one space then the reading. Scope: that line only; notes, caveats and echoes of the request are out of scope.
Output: 2:23:52
